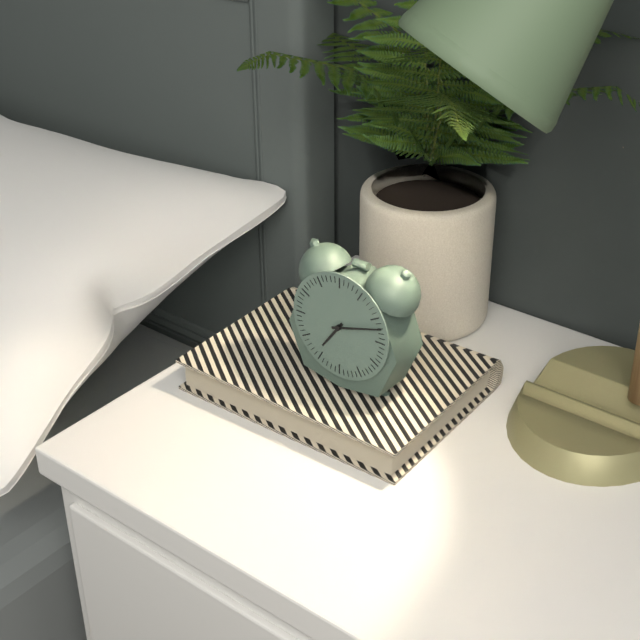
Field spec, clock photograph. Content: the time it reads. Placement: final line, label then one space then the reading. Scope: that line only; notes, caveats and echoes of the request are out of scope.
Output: 7:12
